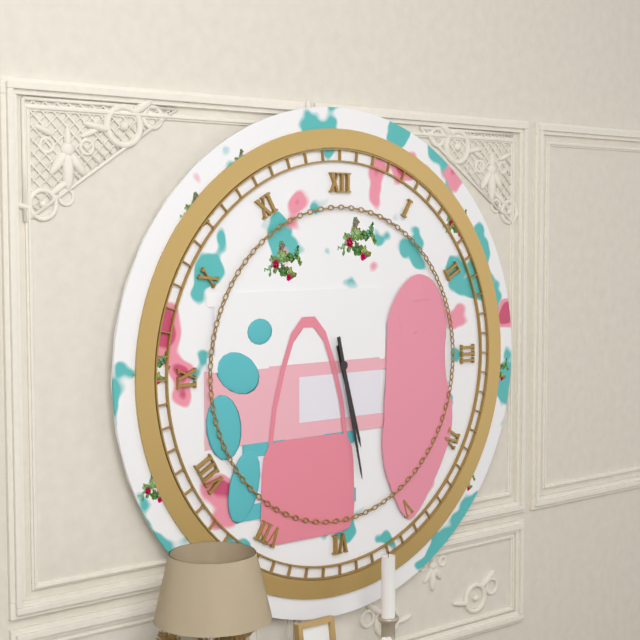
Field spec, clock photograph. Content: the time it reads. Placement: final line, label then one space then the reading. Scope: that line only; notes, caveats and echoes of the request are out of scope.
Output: 5:28
